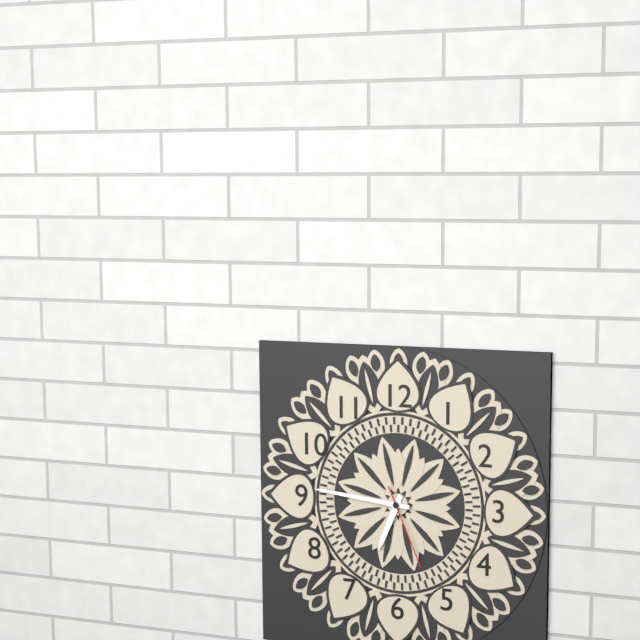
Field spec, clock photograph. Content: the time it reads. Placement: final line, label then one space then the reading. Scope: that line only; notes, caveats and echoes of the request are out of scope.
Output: 6:46:26
